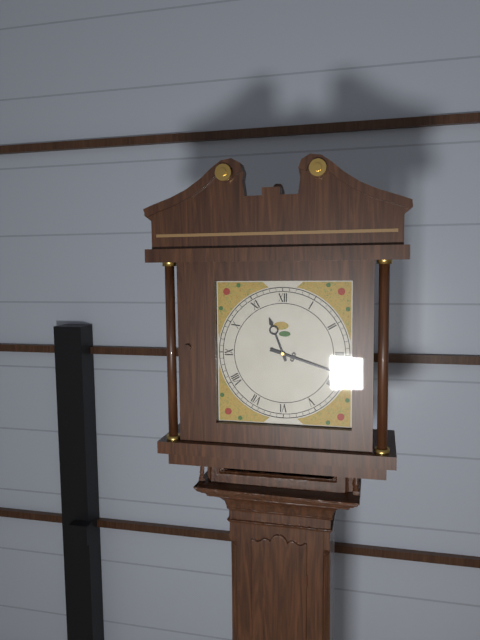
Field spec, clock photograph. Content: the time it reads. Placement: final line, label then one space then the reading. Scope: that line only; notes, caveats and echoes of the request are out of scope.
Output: 11:18
